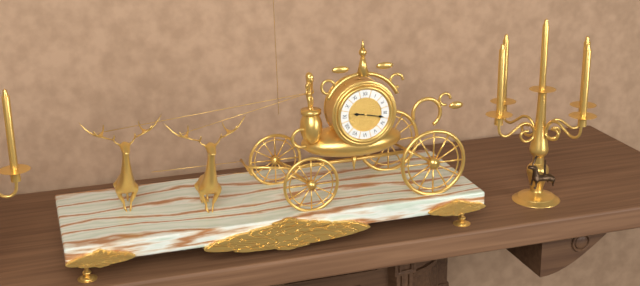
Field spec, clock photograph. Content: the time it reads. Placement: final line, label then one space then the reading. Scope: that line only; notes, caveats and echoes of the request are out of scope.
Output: 9:17
